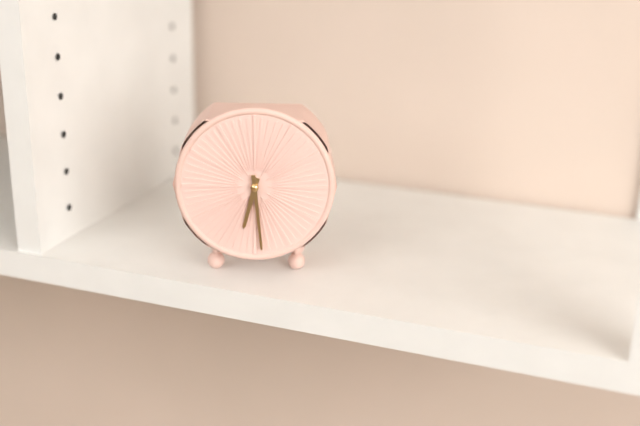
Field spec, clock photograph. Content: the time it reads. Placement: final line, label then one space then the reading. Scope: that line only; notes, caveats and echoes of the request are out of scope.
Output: 6:29
